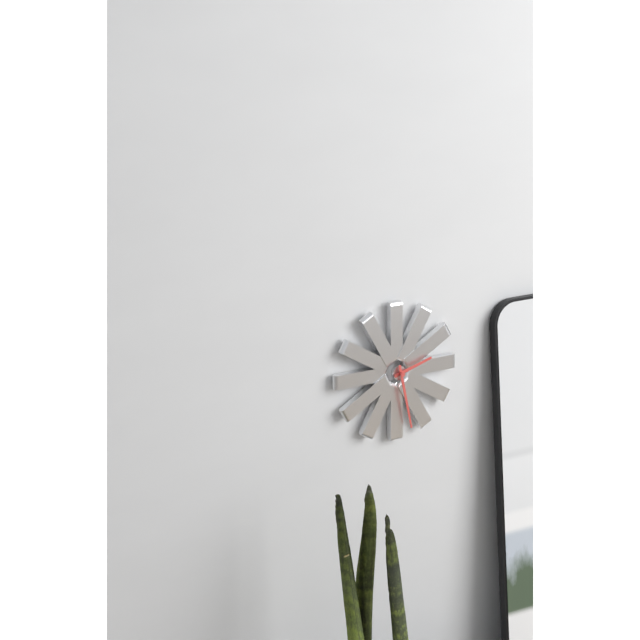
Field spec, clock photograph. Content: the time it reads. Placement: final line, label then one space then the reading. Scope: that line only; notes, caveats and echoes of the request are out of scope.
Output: 2:28
